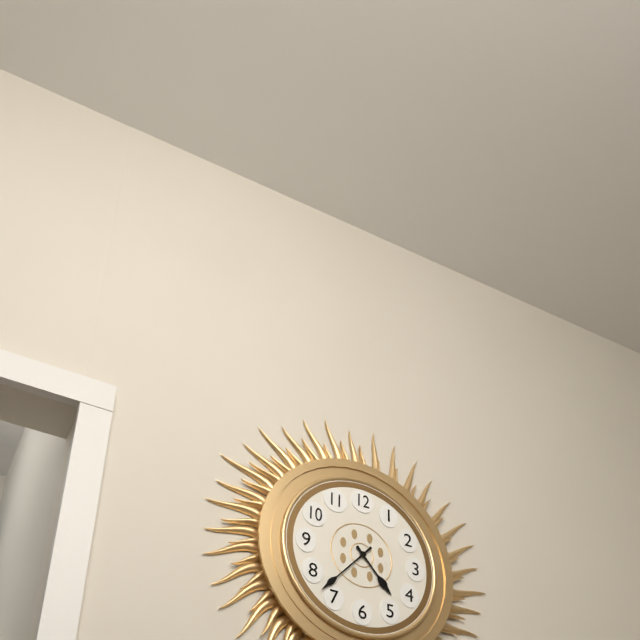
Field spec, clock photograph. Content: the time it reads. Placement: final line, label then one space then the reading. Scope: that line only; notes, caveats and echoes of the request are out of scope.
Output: 4:37
